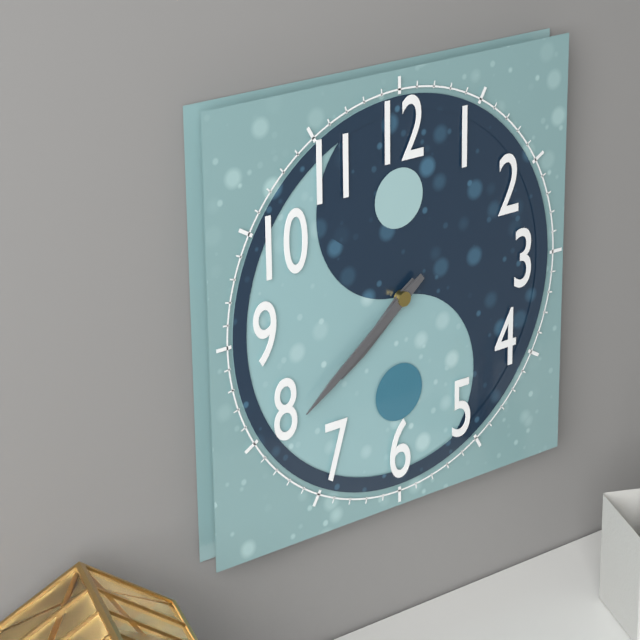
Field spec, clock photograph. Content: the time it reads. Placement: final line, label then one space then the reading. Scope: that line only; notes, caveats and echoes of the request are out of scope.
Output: 7:39
